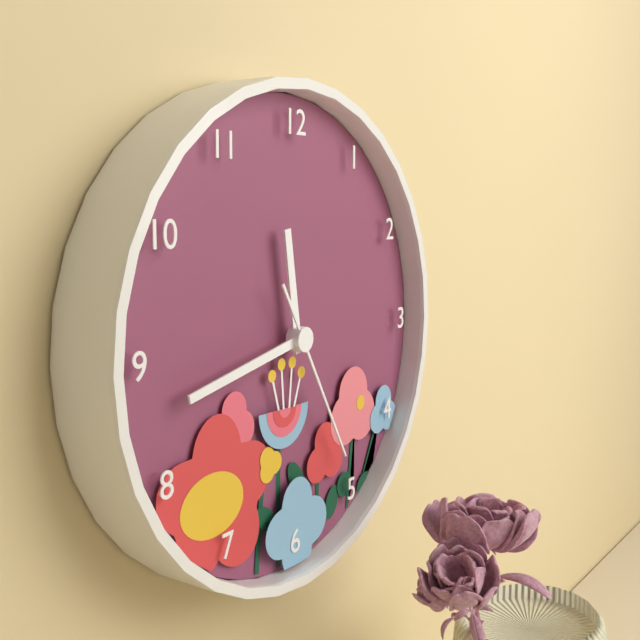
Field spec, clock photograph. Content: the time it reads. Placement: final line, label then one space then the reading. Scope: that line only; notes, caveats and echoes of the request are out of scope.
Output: 11:43:25
